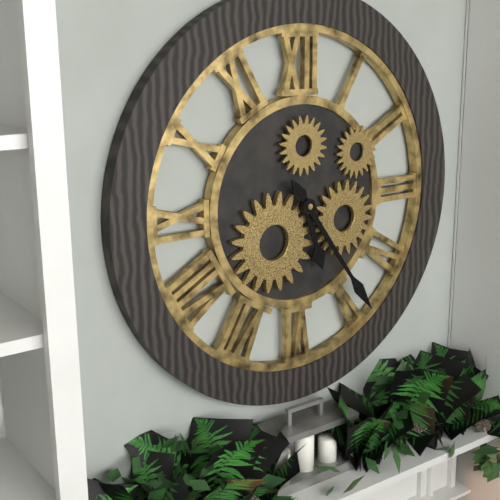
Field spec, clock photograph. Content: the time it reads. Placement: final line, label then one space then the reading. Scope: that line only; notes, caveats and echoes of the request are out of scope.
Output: 5:24
